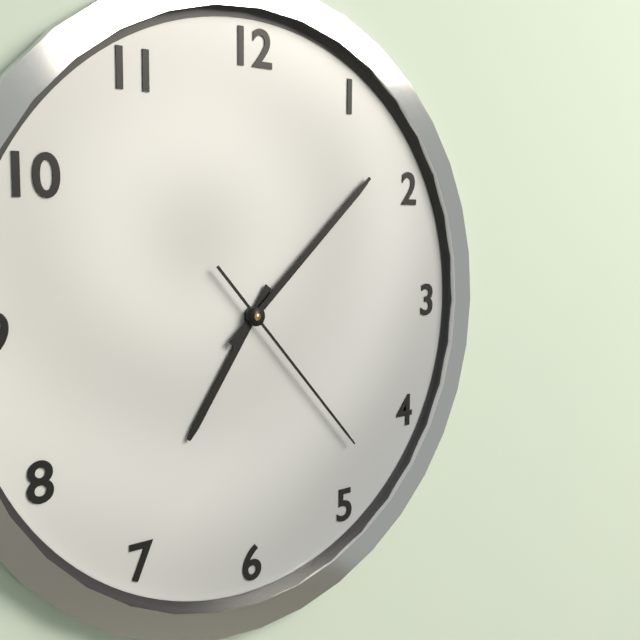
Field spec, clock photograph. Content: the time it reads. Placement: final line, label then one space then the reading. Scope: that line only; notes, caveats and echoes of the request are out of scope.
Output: 7:08:23
